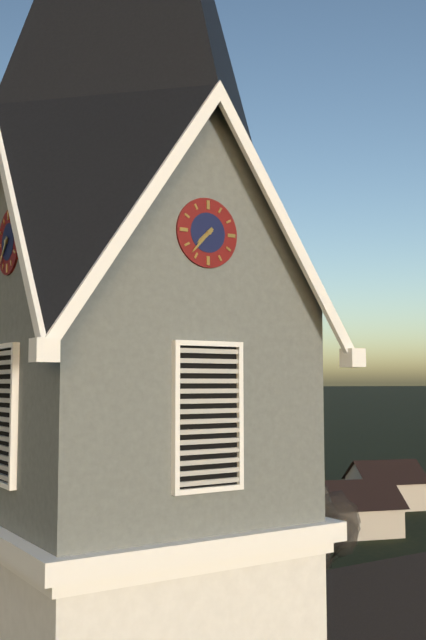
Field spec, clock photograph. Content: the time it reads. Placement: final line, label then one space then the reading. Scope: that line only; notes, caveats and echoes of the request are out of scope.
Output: 7:37
